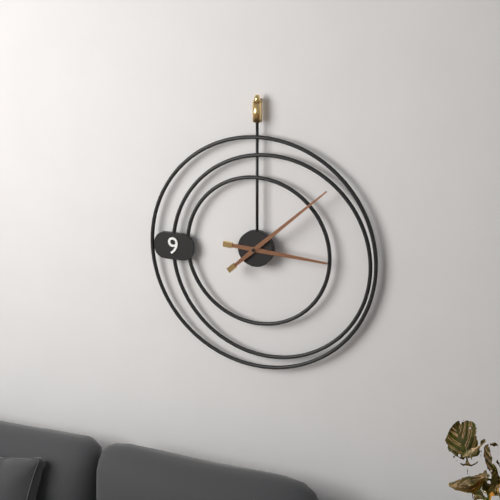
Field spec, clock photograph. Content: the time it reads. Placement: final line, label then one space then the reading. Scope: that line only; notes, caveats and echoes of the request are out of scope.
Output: 3:08
